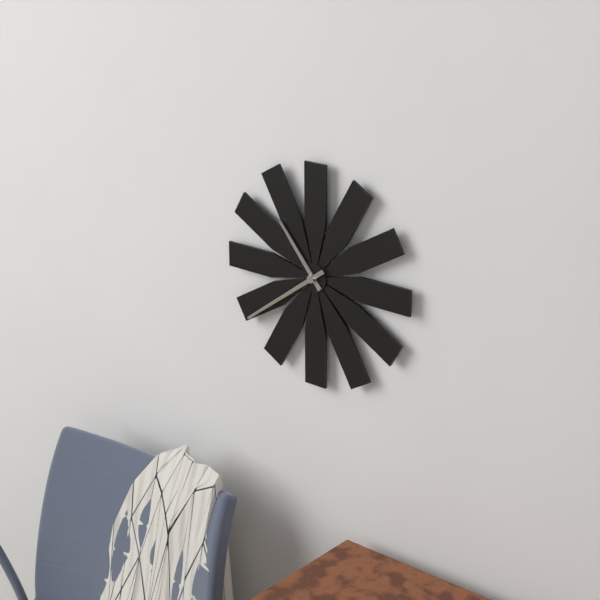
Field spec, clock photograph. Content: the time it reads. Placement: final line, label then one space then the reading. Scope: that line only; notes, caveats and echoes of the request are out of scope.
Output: 10:39
